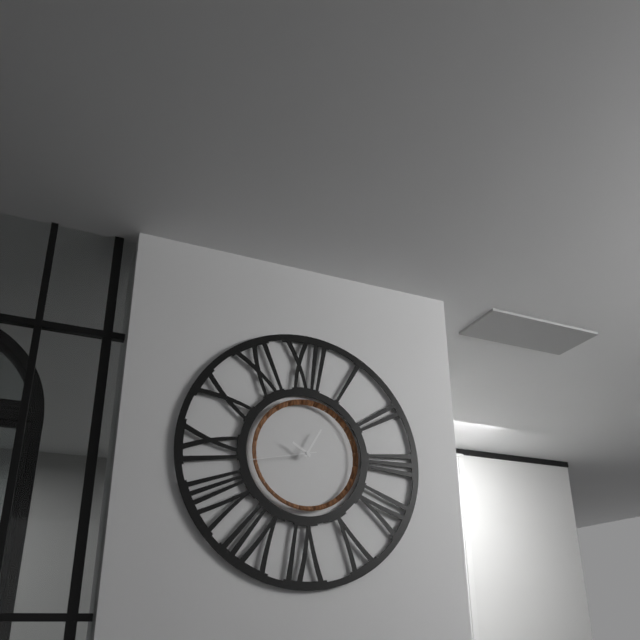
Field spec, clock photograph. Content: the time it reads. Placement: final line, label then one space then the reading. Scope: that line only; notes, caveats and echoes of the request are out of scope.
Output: 10:05:43
